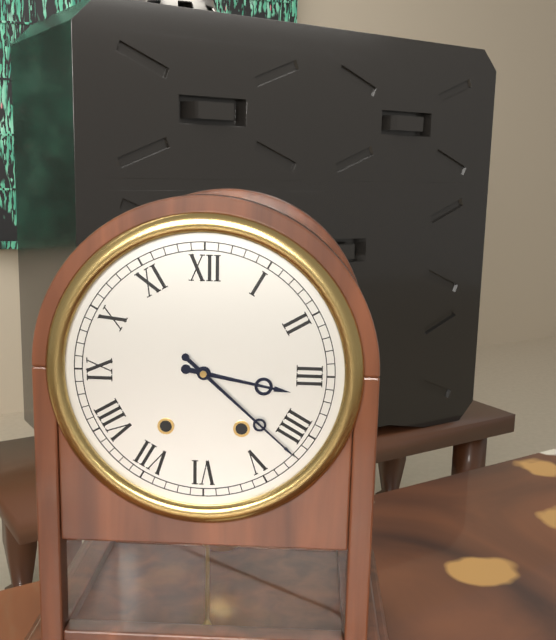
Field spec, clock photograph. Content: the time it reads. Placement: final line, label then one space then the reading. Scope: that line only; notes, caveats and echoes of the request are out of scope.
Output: 3:22
